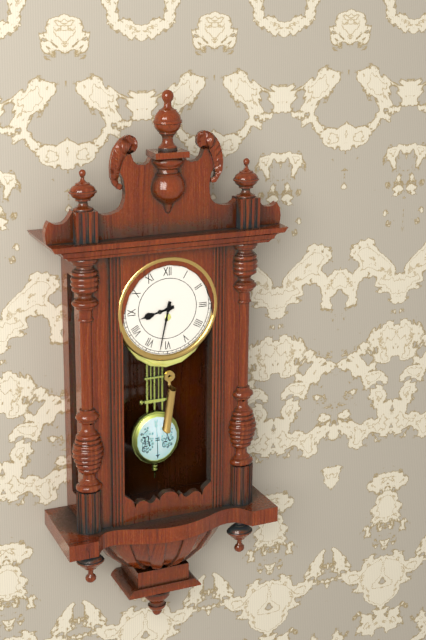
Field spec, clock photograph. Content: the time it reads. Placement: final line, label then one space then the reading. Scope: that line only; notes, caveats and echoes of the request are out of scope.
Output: 8:32
